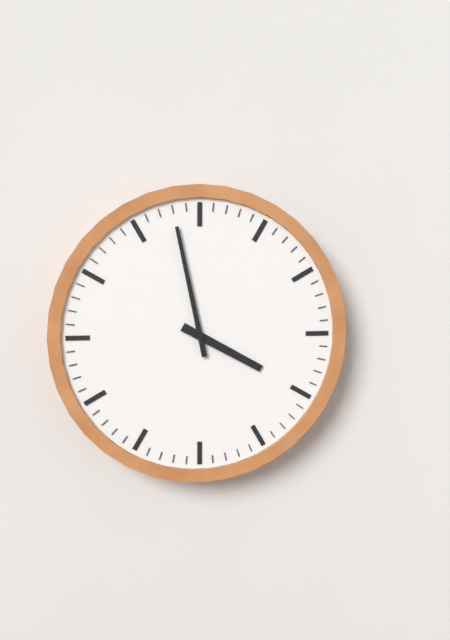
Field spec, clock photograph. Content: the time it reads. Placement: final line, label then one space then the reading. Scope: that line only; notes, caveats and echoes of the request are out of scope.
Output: 3:58
